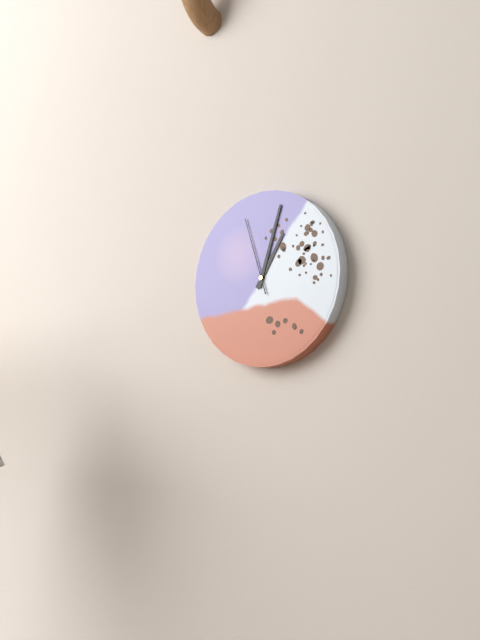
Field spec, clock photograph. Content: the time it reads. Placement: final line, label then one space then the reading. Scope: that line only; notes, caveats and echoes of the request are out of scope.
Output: 1:03:57
